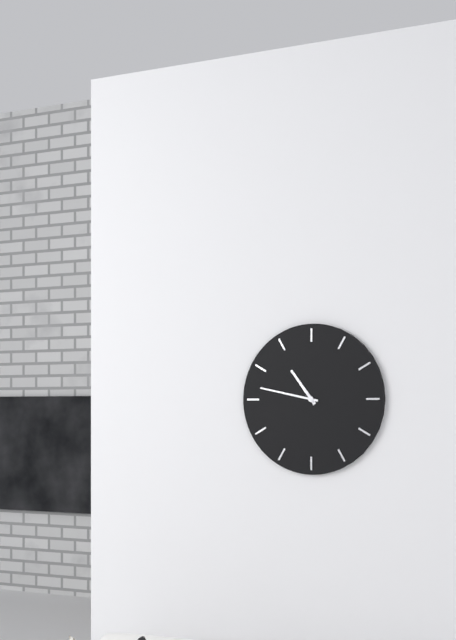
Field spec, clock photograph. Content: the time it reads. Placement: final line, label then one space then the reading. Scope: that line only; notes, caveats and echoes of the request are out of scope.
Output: 10:47
